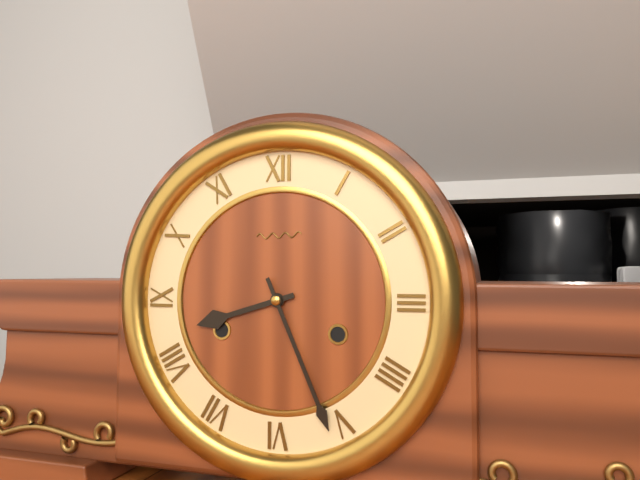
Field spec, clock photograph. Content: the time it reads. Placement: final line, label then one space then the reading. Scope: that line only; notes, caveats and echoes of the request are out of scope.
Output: 8:26
